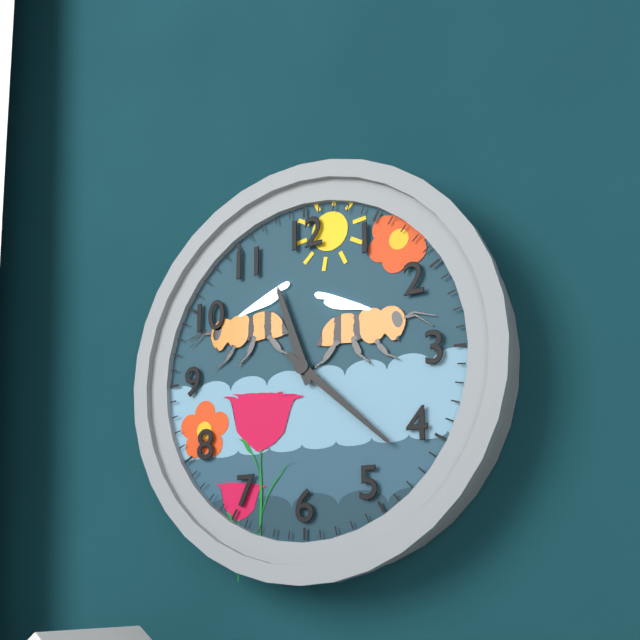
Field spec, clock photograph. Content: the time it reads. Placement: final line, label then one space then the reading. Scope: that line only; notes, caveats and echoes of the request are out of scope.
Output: 11:22
